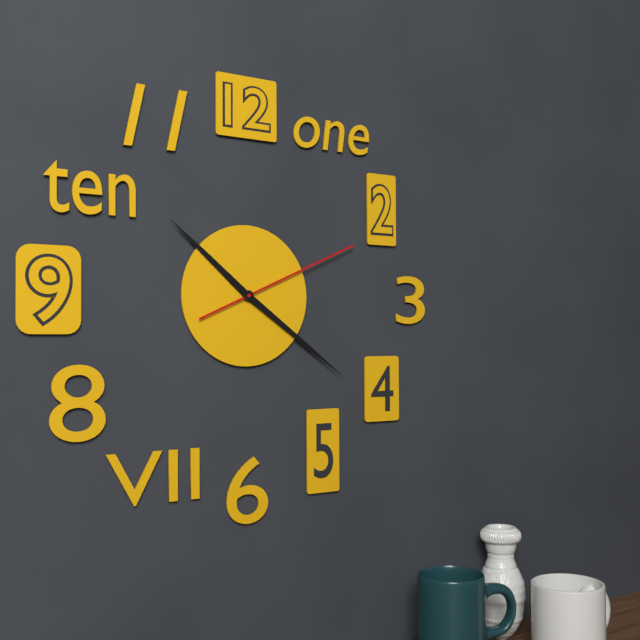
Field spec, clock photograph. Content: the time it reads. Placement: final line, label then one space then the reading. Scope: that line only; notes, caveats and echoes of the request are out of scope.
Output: 10:21:11
